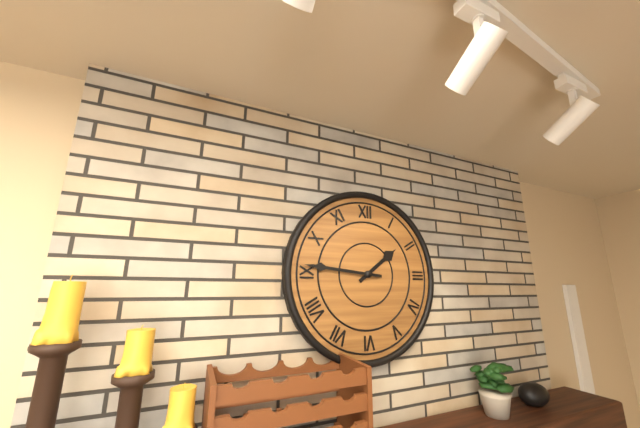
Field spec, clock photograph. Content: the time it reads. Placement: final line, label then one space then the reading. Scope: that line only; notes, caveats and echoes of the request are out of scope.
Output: 1:46
